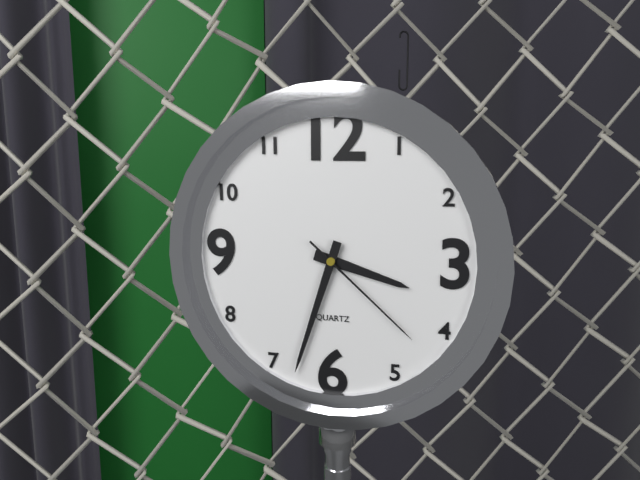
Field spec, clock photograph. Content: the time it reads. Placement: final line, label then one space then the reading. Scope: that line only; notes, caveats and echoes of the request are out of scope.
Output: 3:33:22
